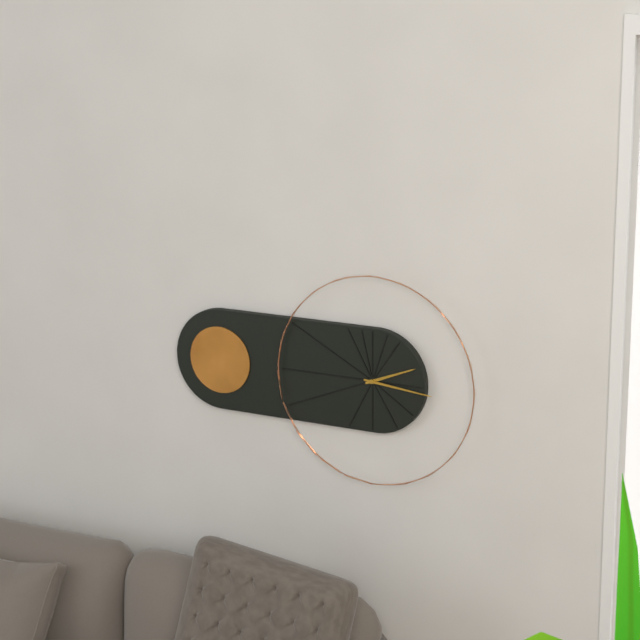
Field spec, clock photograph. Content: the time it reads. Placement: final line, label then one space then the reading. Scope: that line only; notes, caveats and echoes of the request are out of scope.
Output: 2:16
